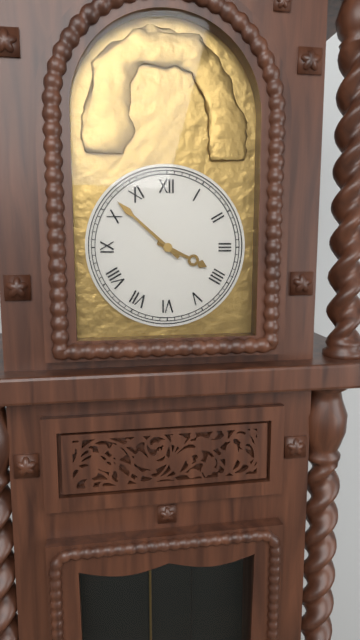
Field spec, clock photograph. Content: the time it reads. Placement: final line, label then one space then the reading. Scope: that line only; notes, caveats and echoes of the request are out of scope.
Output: 3:52
